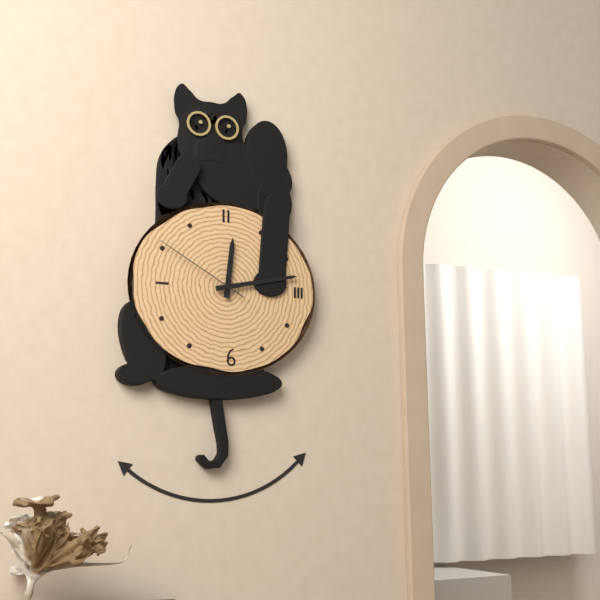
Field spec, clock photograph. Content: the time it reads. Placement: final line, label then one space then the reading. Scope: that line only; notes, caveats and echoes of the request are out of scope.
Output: 12:13:50
